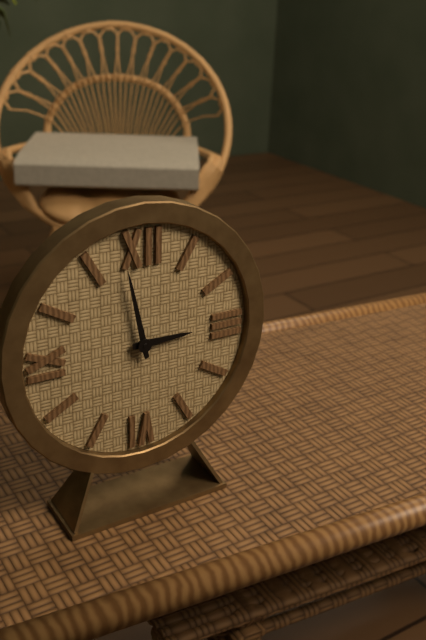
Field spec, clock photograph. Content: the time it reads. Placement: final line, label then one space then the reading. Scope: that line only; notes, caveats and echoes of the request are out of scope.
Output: 2:58
